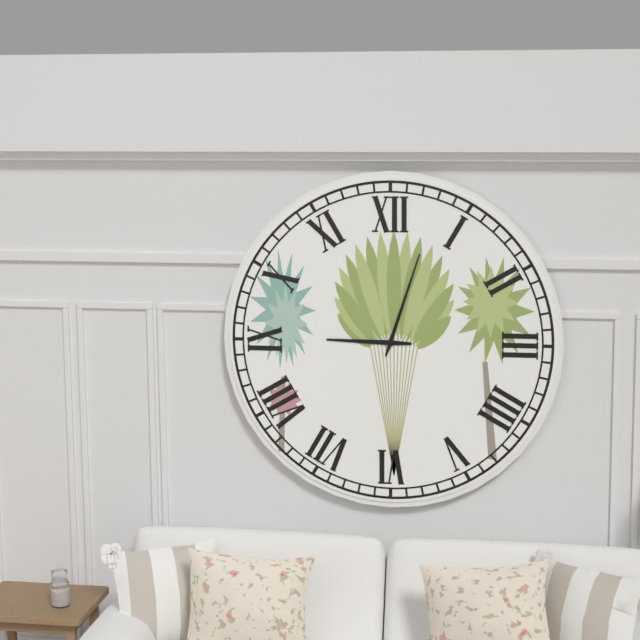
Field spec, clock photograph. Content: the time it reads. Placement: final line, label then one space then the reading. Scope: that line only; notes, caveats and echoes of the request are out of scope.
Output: 9:03
